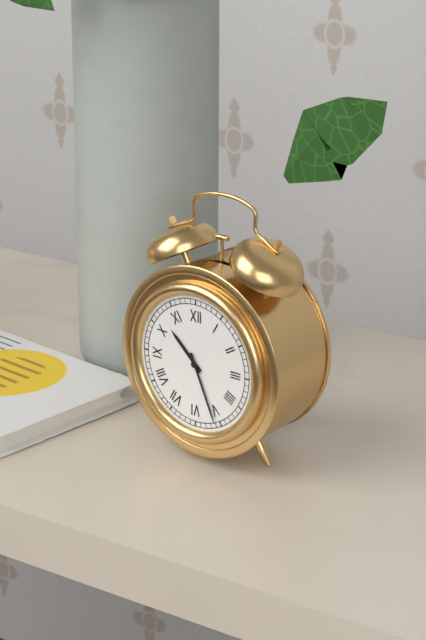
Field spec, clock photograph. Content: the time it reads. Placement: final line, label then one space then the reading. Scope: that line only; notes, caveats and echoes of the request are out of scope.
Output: 10:26
